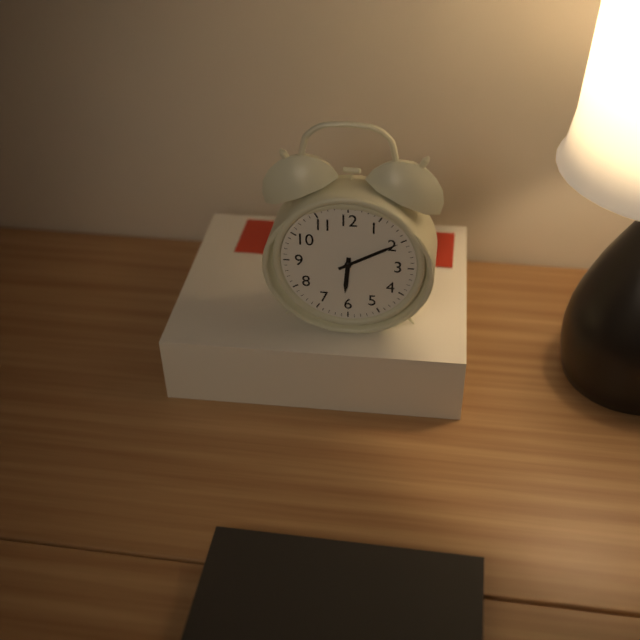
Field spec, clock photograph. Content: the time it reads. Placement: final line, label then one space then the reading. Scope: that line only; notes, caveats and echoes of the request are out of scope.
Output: 6:10
